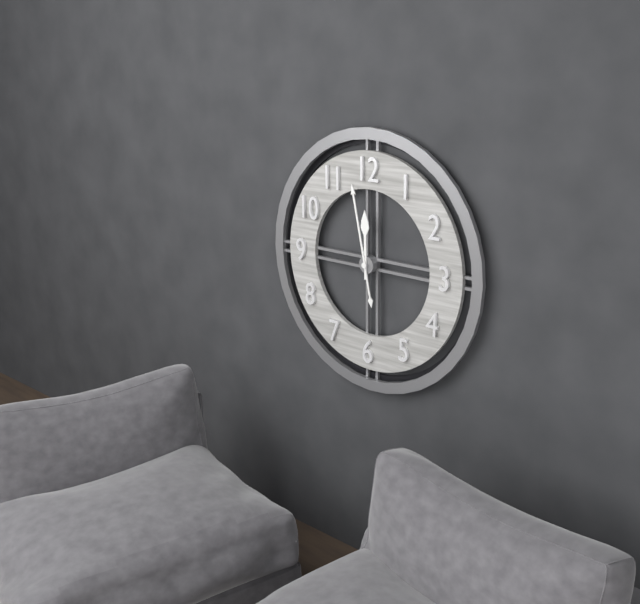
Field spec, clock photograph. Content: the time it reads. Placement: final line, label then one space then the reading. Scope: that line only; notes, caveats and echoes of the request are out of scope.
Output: 11:58
